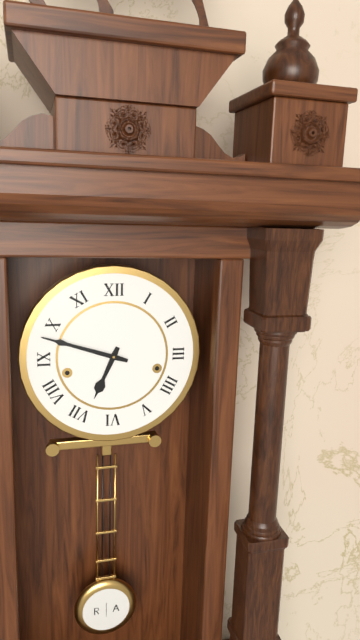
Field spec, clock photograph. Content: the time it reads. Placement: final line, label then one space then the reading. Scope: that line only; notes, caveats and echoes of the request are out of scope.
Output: 6:48
